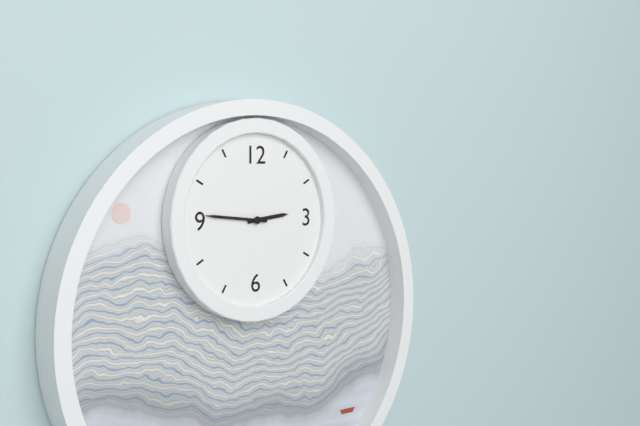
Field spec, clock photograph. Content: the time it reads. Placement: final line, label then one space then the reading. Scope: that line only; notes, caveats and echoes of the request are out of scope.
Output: 2:46
